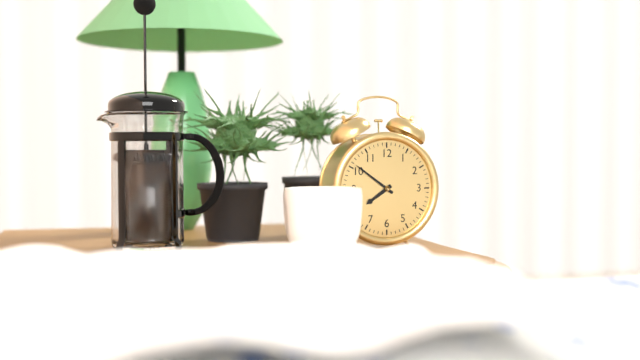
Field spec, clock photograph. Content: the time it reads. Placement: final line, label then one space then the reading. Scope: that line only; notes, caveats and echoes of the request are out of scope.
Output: 7:51
